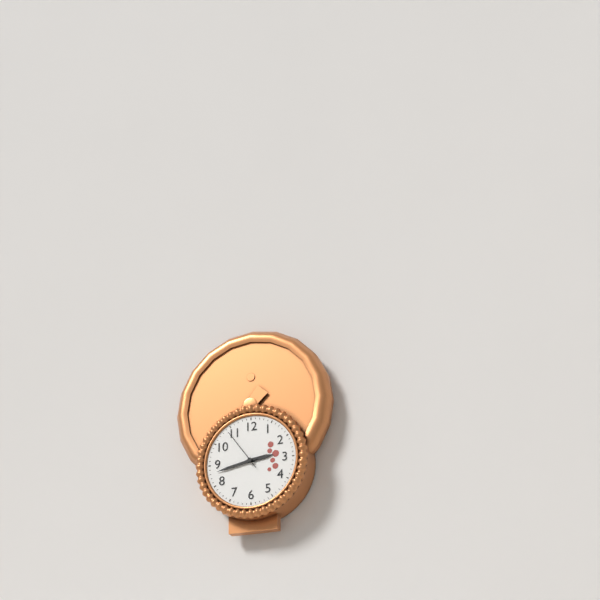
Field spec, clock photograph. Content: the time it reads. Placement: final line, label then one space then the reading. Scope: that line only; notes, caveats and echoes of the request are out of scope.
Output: 2:43
